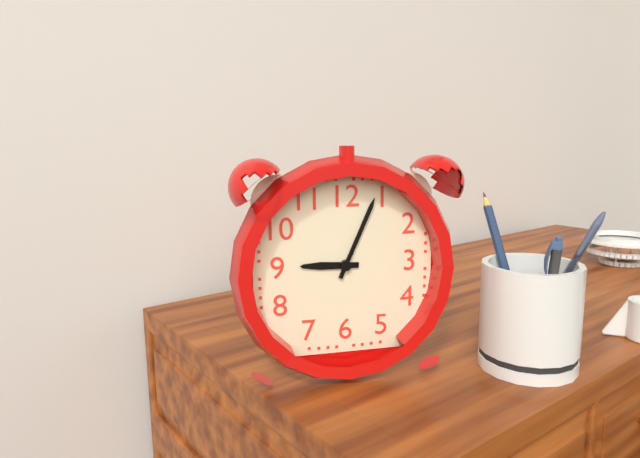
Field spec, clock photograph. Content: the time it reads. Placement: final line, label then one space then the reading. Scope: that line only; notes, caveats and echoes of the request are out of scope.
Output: 9:04
